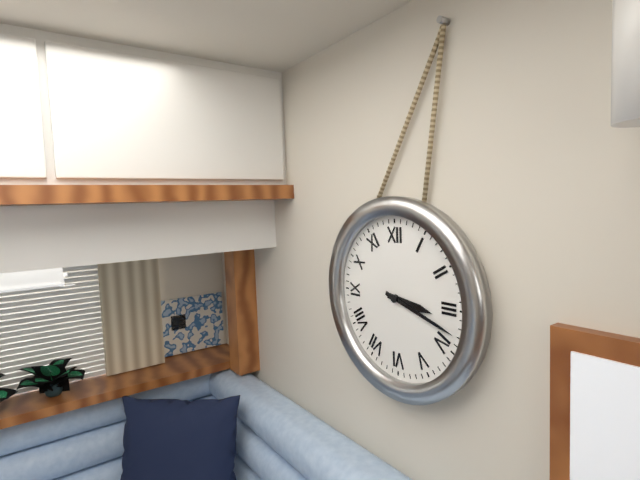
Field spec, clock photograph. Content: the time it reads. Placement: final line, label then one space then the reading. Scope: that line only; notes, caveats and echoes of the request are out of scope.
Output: 3:18
